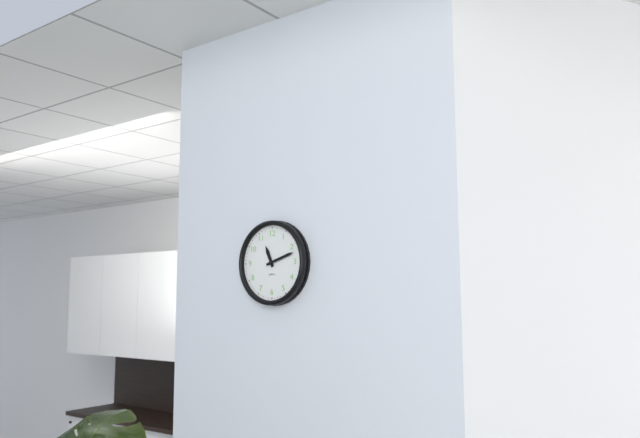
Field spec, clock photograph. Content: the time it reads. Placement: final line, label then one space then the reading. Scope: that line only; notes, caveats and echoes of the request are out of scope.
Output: 11:12
